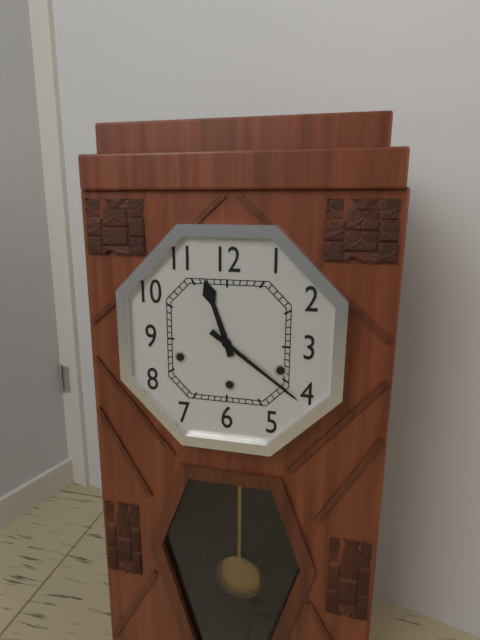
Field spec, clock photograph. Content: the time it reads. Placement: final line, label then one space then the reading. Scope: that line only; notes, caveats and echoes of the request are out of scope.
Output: 11:21
